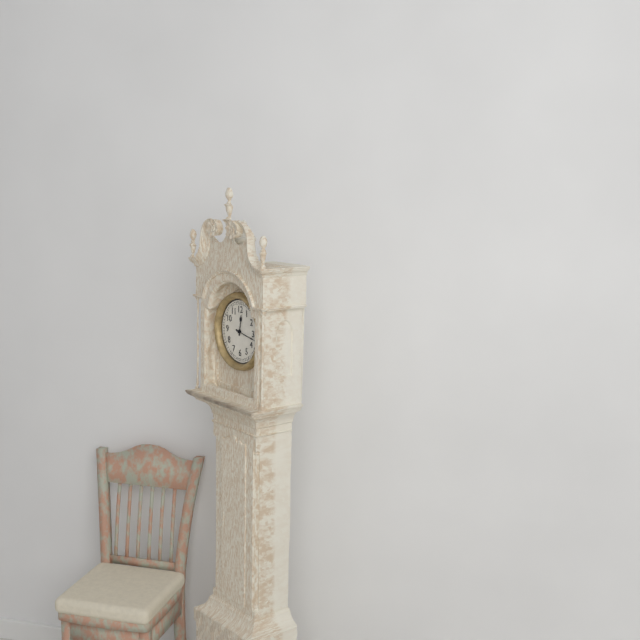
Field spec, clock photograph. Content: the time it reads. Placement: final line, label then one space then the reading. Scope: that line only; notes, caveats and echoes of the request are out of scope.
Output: 12:17
